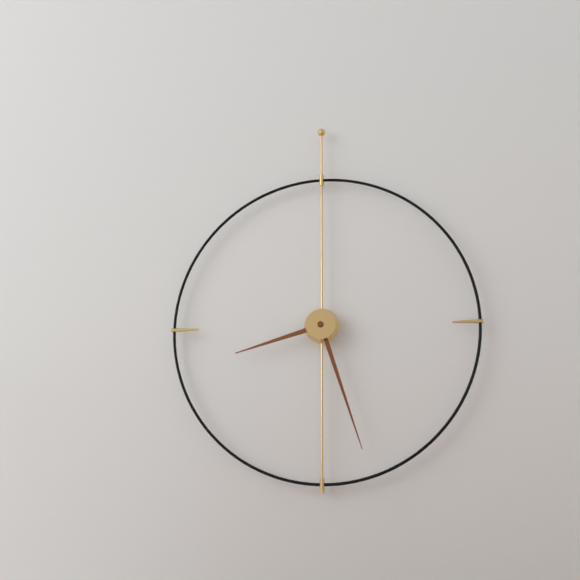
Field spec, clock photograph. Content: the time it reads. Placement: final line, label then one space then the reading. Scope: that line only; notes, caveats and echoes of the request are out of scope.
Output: 8:27
